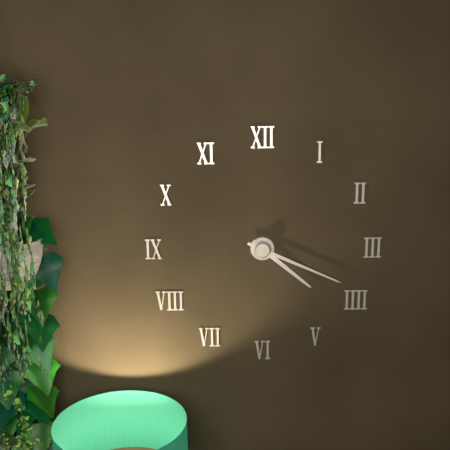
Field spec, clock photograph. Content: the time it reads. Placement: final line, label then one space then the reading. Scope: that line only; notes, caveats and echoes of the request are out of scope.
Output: 4:19
